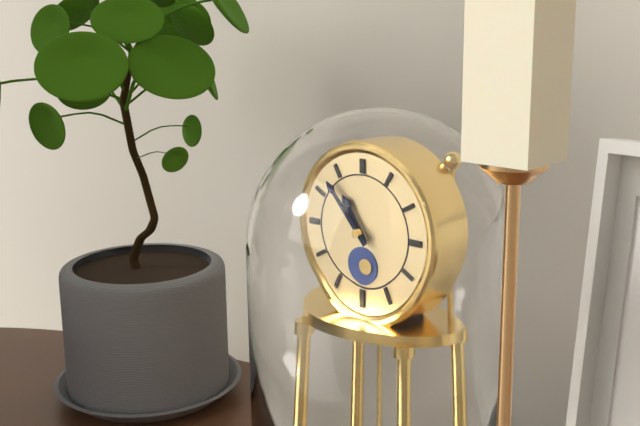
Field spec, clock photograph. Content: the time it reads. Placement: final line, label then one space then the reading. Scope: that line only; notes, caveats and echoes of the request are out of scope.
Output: 10:53
